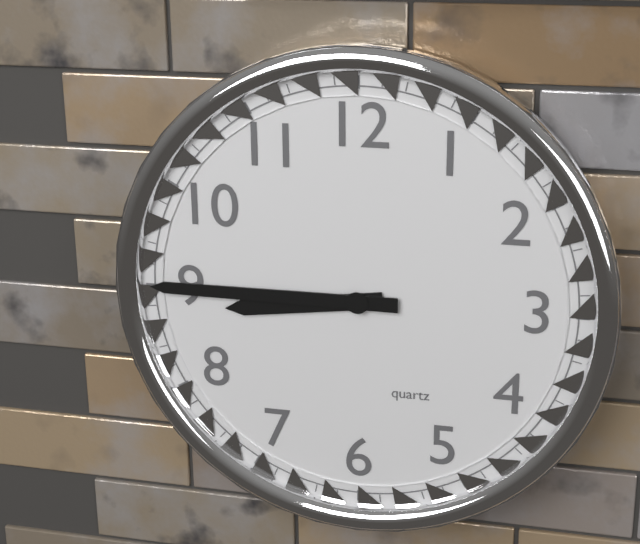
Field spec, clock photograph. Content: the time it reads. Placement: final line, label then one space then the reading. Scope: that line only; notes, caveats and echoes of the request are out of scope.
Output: 8:45
